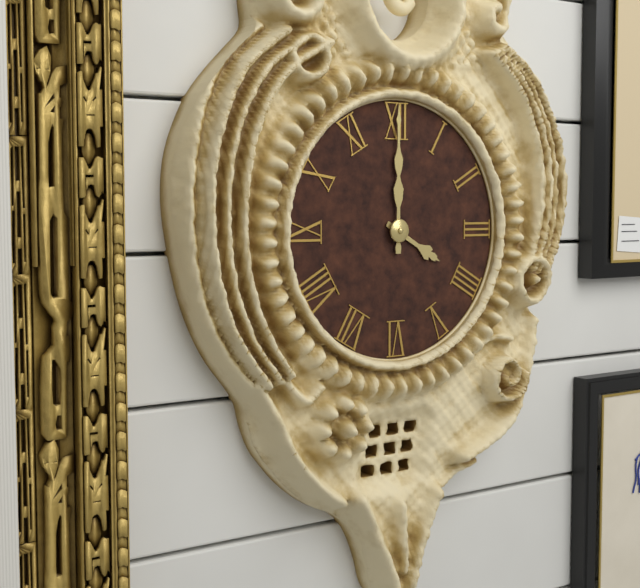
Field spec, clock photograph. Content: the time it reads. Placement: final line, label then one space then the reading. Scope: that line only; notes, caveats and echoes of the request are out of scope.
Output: 4:00
